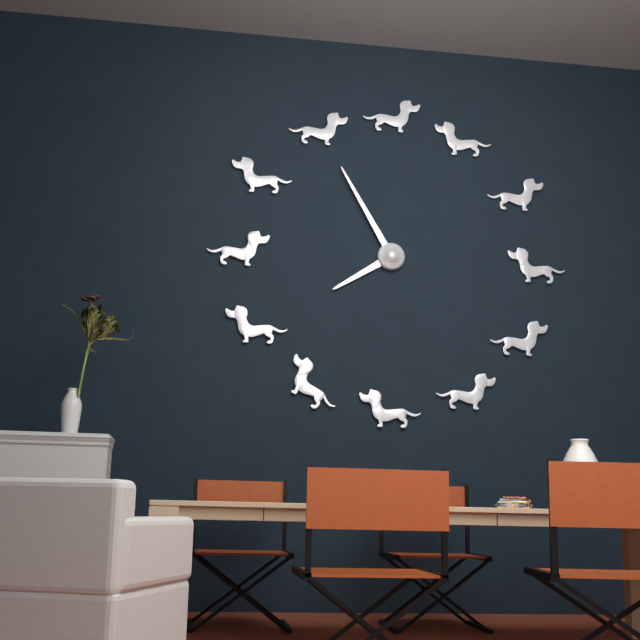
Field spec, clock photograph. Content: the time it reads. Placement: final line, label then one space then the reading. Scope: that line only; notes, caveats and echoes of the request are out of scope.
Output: 7:55
